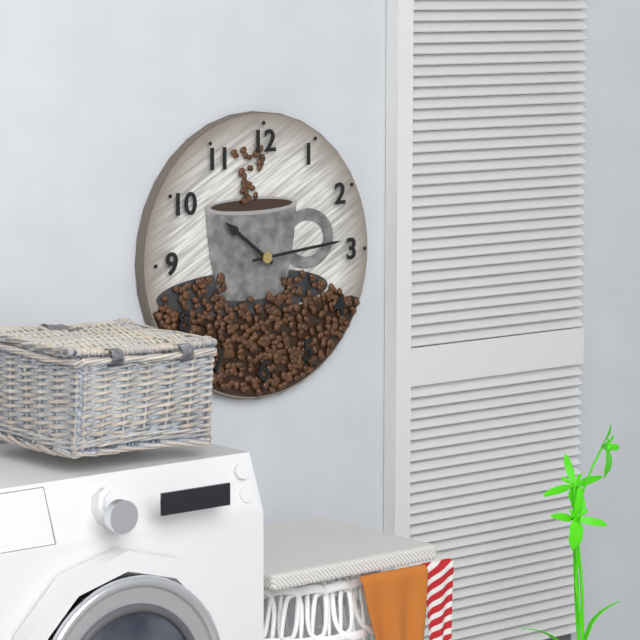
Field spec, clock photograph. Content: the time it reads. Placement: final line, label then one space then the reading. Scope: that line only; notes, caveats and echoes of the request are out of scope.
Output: 10:14
